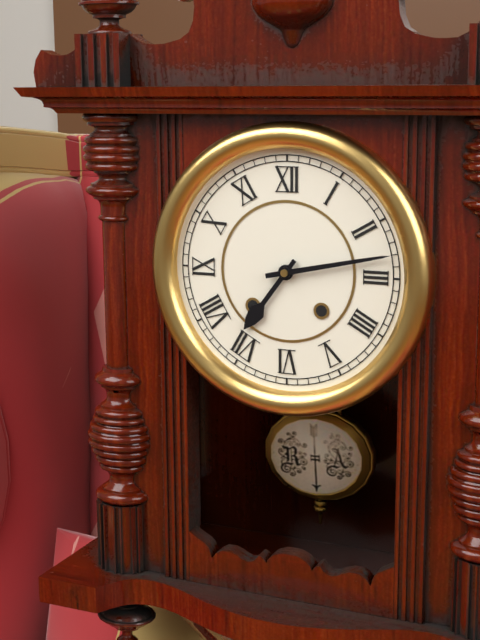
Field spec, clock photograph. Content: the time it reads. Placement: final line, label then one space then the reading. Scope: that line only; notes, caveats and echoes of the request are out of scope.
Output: 7:13
